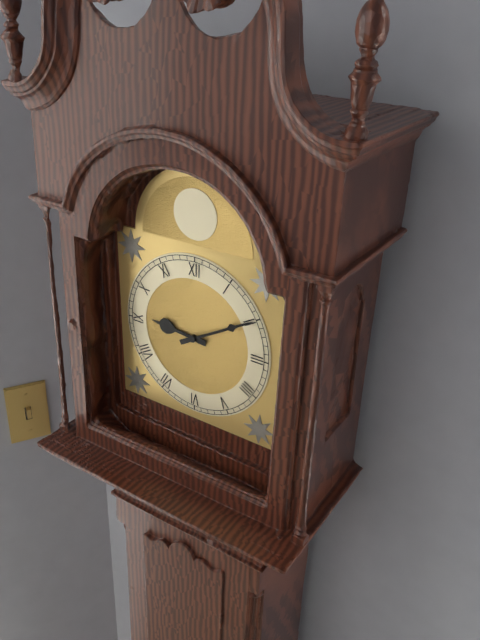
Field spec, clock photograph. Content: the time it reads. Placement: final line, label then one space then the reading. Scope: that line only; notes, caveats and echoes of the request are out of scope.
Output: 9:10
